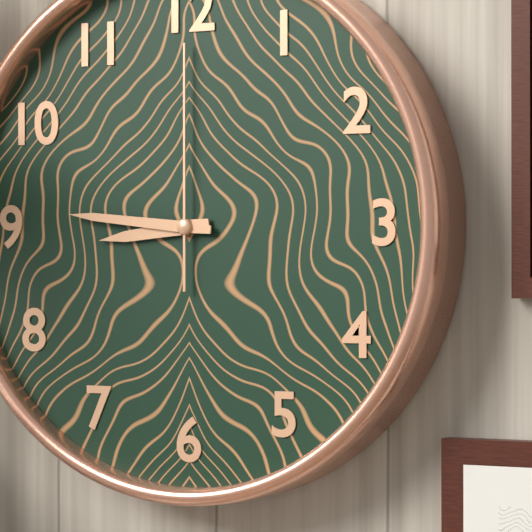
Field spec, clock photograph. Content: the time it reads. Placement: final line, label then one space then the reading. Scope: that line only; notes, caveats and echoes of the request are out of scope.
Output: 8:46:00
